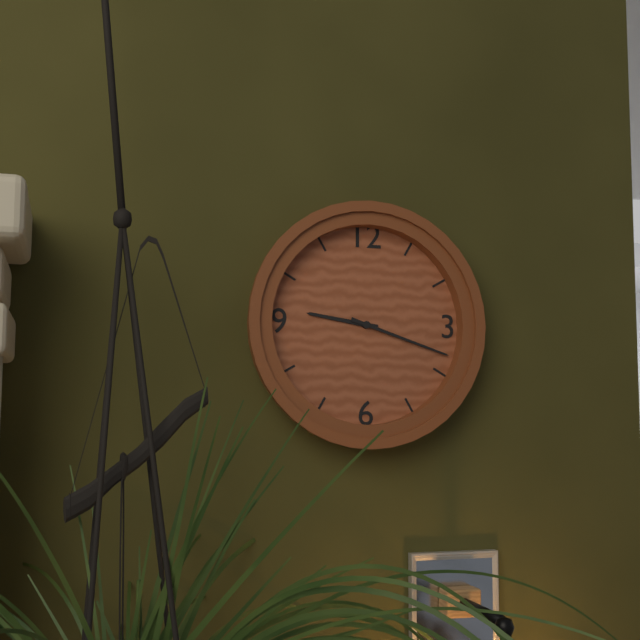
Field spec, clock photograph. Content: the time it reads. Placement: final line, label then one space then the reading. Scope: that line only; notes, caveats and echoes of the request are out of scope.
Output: 9:18
